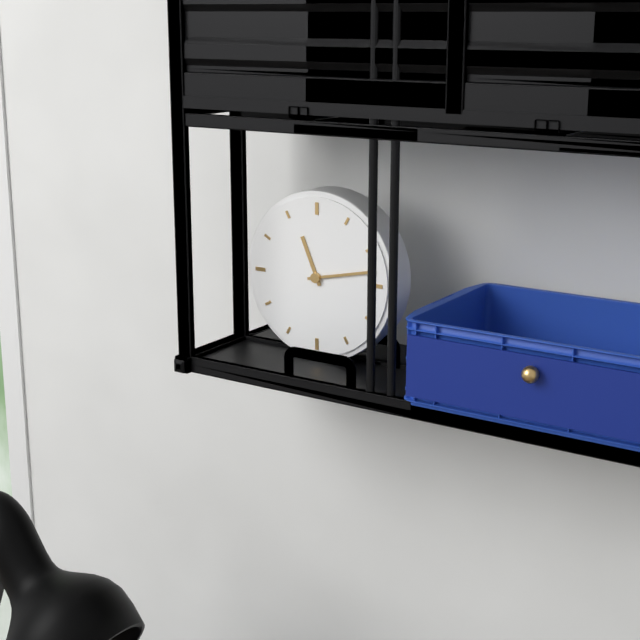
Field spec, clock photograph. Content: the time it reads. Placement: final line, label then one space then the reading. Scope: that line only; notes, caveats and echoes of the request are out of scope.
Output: 11:13
